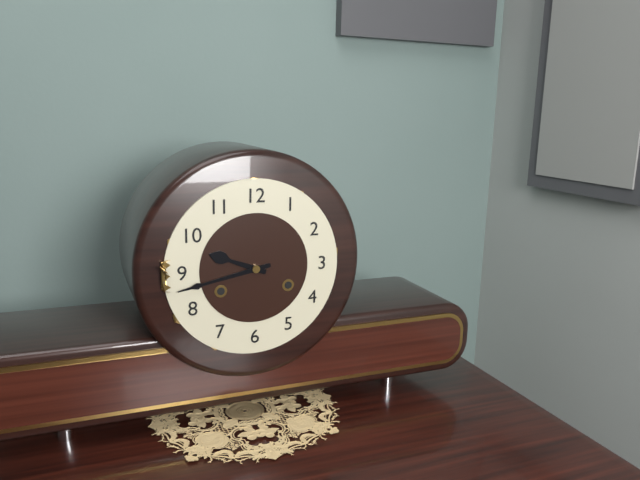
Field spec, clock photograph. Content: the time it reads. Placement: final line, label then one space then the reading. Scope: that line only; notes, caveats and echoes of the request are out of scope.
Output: 9:43
